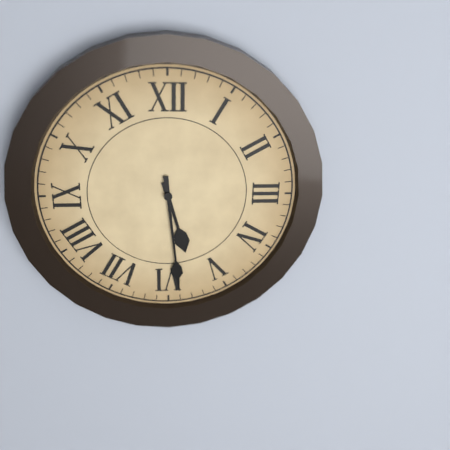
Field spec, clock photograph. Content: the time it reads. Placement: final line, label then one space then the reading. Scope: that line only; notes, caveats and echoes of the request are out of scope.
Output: 5:29
